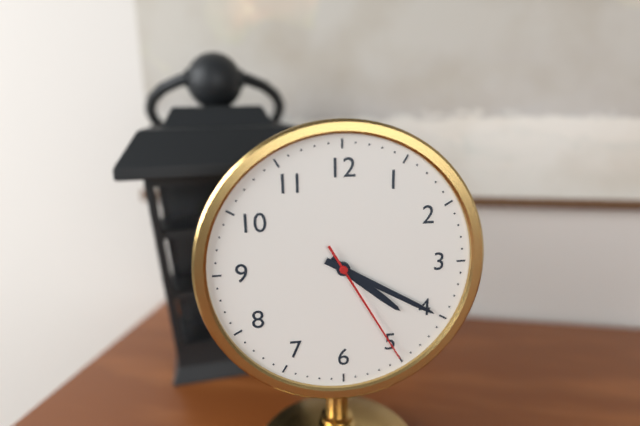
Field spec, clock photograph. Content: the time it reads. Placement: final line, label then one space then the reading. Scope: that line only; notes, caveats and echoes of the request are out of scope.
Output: 4:20:25
